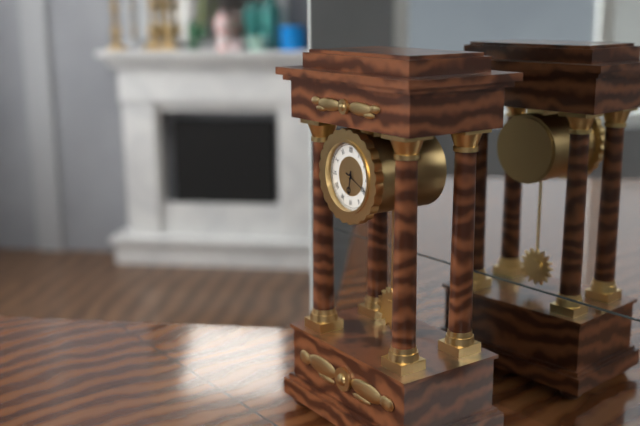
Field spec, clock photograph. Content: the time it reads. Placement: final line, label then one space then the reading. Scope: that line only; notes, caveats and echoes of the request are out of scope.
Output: 6:19
